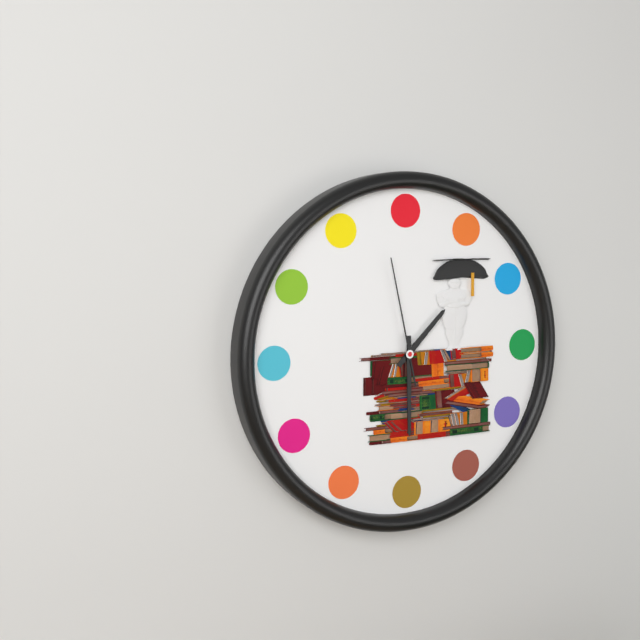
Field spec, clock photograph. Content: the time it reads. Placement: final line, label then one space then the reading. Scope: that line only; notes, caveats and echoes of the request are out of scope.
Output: 1:30:58
